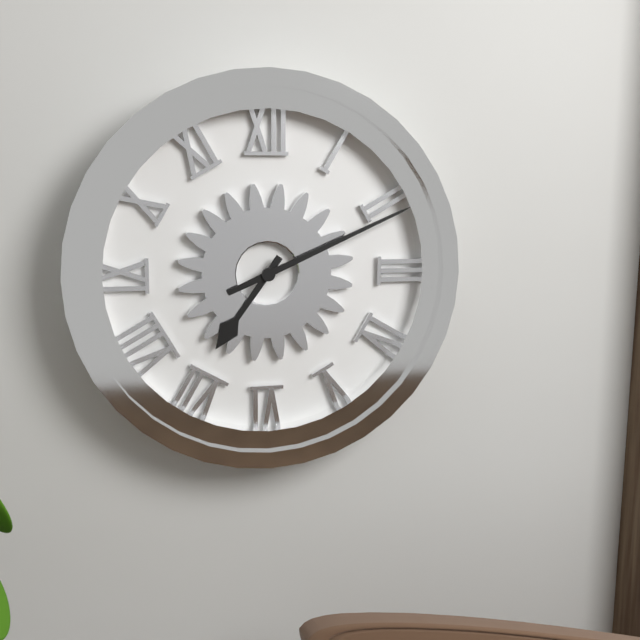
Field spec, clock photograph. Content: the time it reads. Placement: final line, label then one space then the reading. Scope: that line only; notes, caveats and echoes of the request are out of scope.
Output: 7:11
